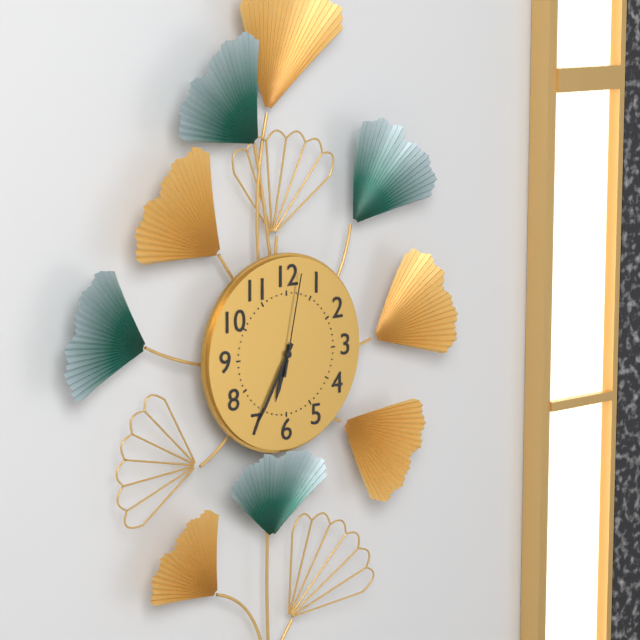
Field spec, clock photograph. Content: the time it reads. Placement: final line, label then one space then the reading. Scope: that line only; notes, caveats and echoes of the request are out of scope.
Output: 6:35:02
